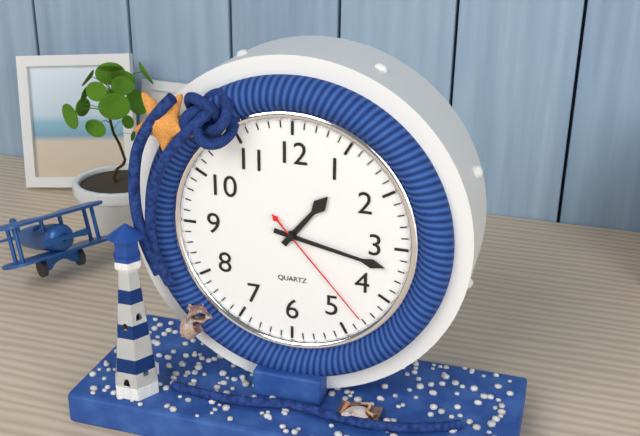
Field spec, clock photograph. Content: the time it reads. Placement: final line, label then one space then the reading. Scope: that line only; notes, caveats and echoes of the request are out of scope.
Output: 1:17:23
